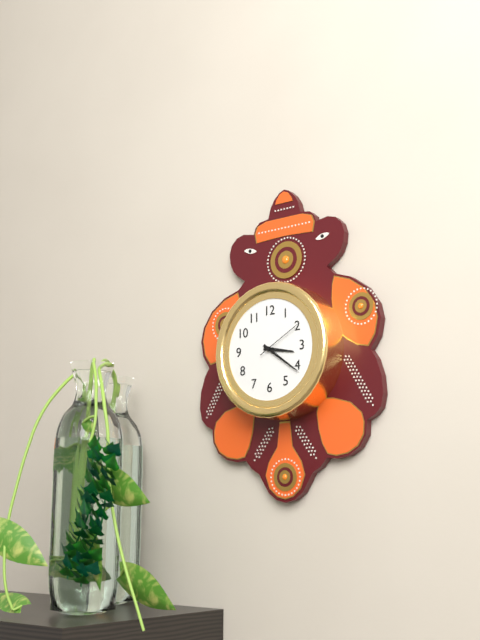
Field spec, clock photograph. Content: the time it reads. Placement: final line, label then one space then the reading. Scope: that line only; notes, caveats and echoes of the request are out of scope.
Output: 3:21
